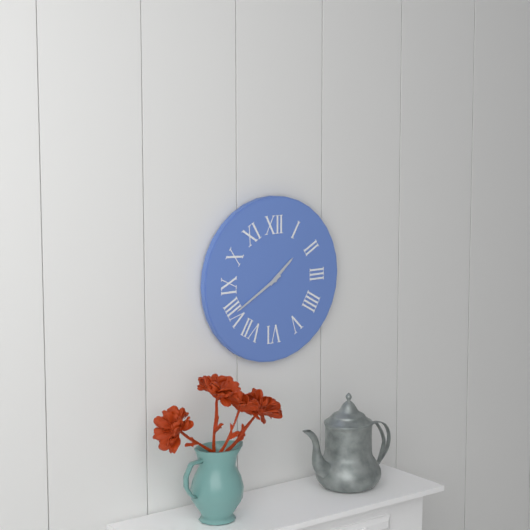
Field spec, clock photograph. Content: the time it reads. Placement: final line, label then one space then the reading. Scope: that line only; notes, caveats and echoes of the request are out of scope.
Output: 1:40
